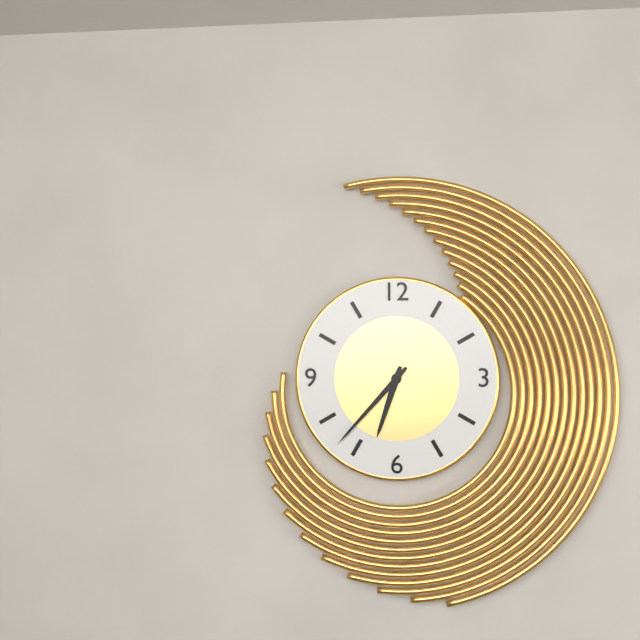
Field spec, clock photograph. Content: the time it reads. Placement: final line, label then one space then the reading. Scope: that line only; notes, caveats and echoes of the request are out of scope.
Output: 6:37
